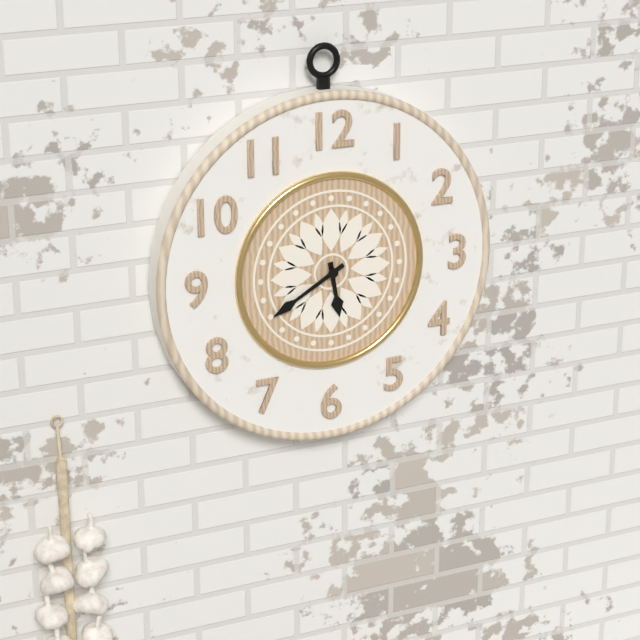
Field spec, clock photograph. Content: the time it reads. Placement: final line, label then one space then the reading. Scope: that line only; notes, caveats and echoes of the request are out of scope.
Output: 5:40
